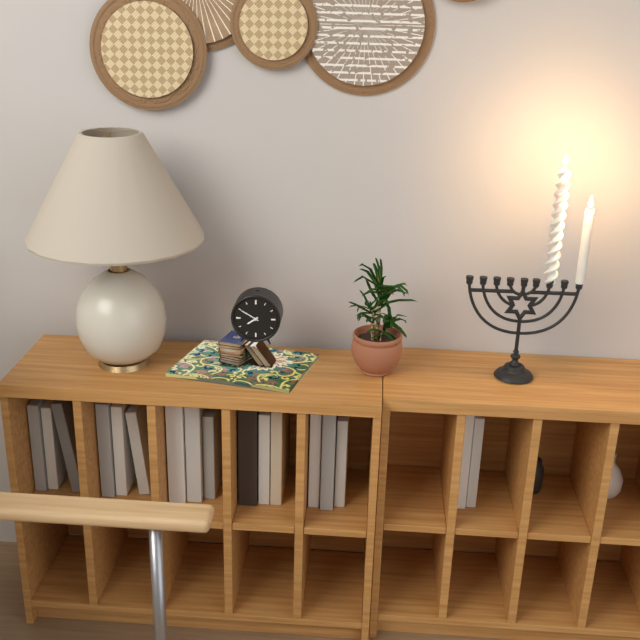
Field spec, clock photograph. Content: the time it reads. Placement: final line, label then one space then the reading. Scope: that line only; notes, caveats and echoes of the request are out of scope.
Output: 7:50
